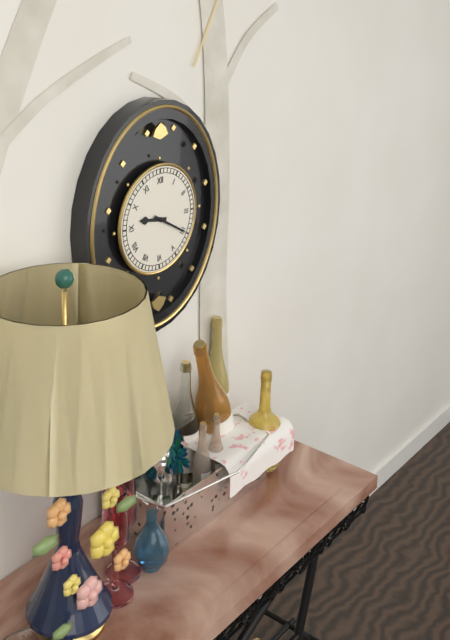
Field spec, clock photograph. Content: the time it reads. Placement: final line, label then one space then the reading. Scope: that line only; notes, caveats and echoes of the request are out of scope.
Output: 9:20
